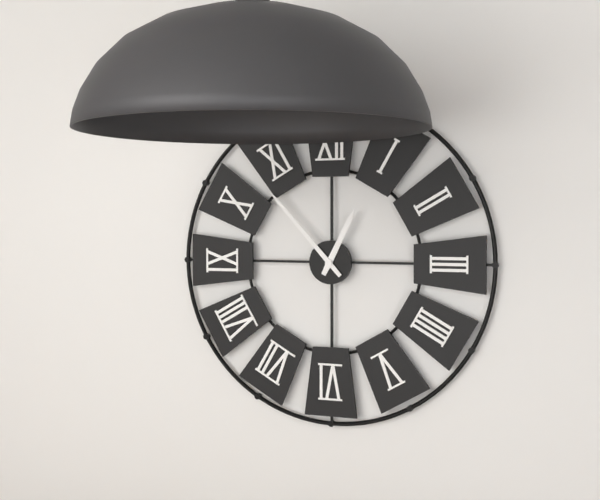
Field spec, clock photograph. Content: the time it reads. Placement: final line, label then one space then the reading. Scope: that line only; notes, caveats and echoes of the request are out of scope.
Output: 12:53
